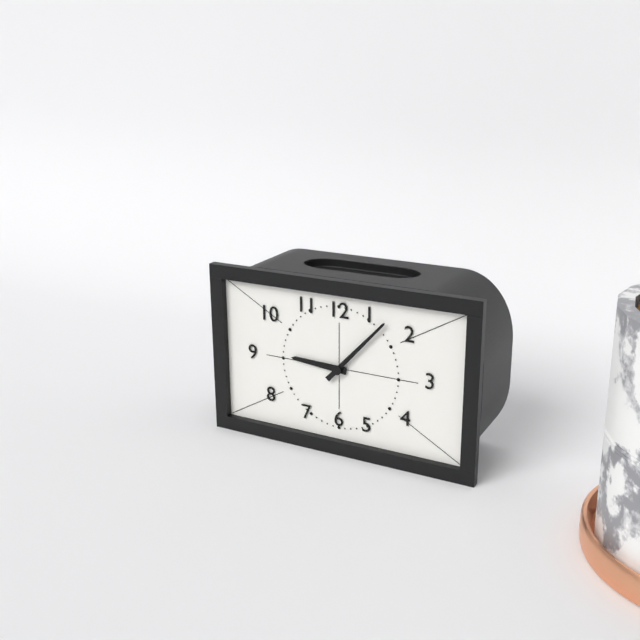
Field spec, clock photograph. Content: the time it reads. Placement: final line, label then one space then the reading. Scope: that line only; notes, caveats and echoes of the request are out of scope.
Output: 9:07
